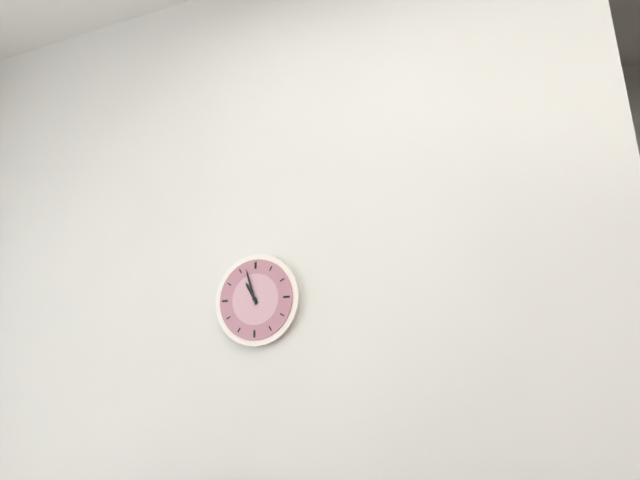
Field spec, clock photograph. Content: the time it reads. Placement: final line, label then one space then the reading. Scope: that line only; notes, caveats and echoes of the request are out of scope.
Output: 10:57
